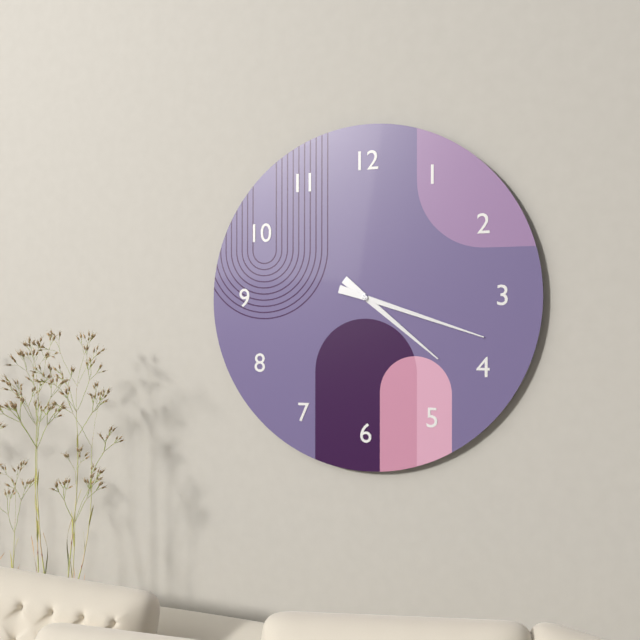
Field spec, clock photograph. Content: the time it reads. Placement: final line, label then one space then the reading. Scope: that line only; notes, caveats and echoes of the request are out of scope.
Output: 4:18
